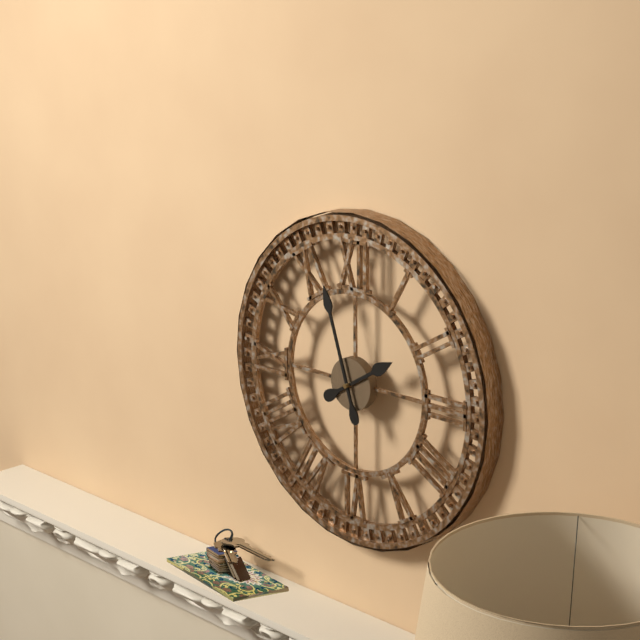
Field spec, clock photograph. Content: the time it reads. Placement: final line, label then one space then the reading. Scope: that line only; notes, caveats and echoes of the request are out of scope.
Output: 1:57
